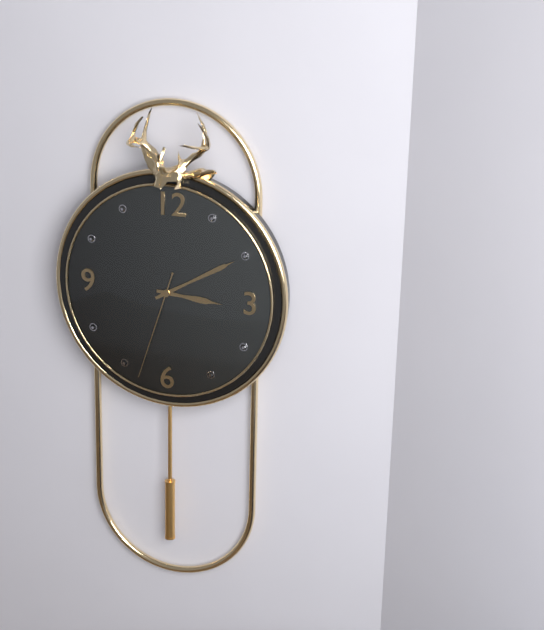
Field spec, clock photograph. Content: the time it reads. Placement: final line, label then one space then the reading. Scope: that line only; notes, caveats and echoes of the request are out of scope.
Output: 3:10:33
